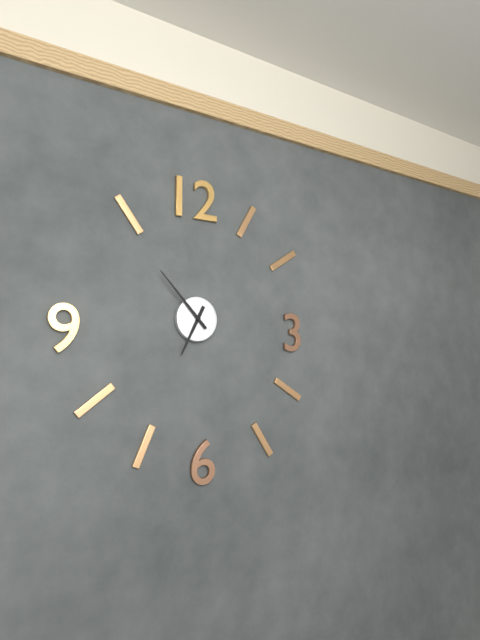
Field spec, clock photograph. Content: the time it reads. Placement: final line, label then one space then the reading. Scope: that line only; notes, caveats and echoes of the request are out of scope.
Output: 6:53
